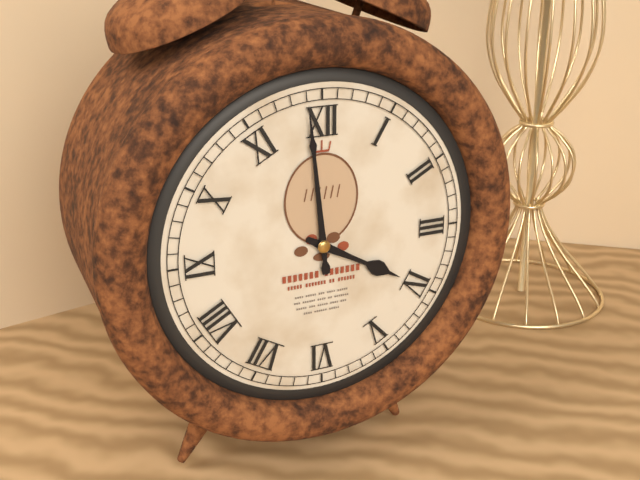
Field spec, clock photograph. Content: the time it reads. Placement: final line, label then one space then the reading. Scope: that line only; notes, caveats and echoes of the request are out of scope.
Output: 3:59
